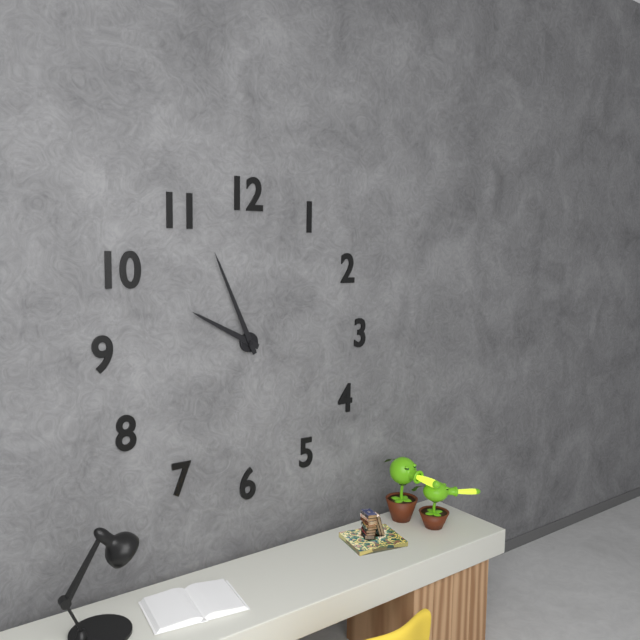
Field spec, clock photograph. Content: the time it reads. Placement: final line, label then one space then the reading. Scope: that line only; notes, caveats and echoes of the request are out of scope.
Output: 9:56
